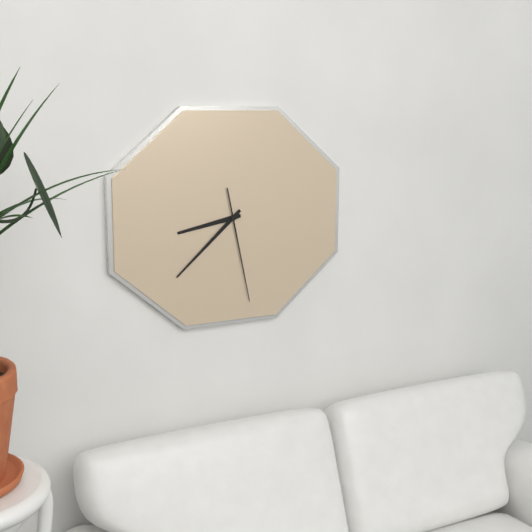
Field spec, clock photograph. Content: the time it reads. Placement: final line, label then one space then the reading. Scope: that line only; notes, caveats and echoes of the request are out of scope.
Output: 8:38:28
